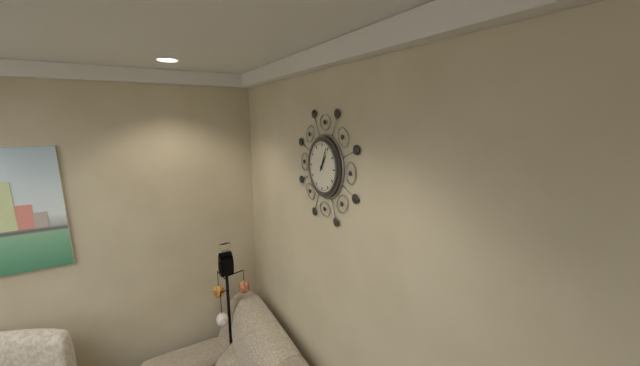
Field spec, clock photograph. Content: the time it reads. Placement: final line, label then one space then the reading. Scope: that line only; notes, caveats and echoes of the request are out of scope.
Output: 1:04
